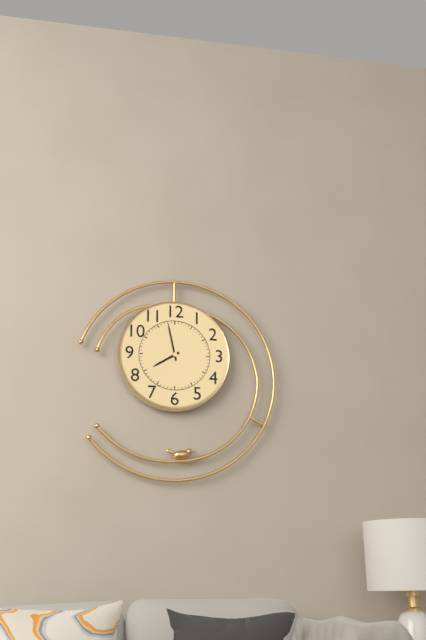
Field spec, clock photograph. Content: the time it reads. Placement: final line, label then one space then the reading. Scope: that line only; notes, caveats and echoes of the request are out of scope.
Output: 7:58
